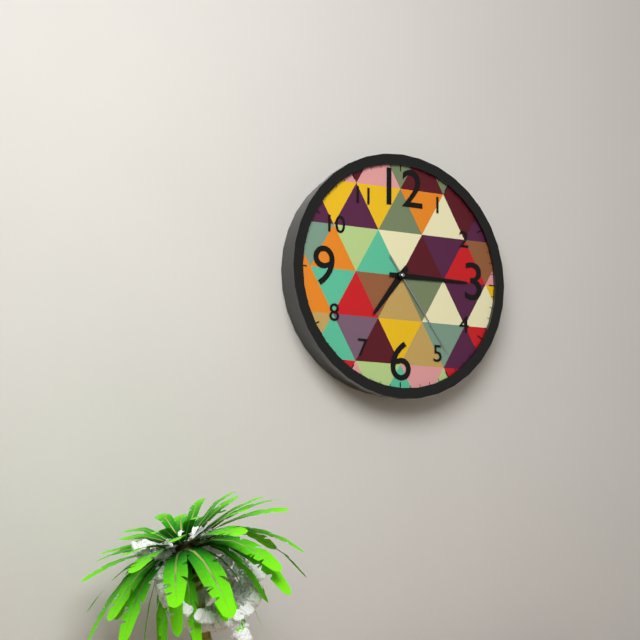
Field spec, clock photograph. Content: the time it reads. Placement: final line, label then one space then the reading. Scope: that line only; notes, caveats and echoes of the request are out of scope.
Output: 7:15:24
